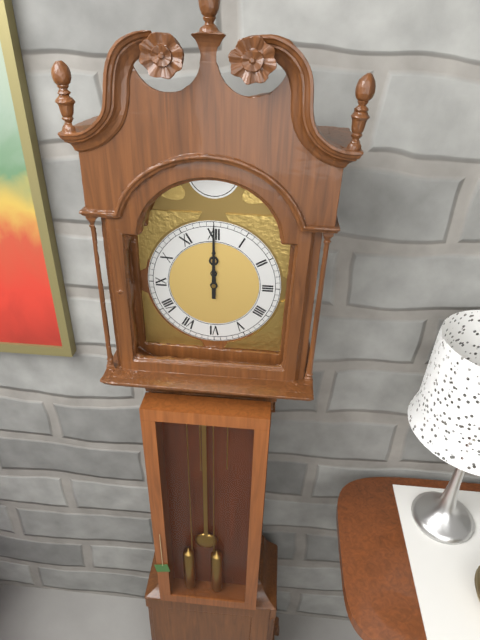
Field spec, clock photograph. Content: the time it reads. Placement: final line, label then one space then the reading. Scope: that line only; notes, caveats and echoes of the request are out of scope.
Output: 12:00
